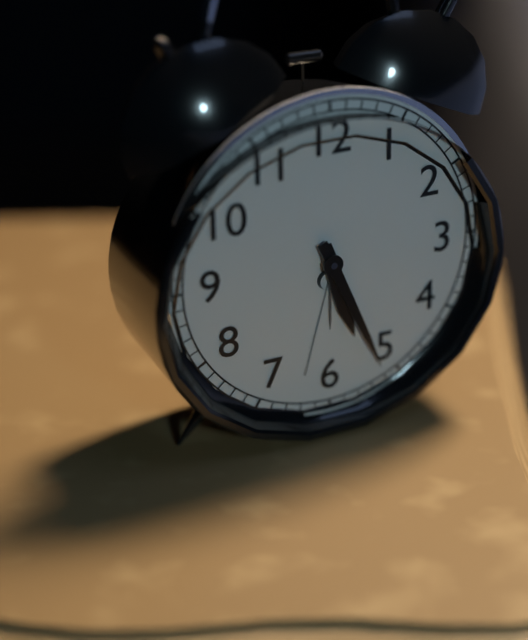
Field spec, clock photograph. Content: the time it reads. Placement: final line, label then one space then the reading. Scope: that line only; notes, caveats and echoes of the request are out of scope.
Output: 5:26
